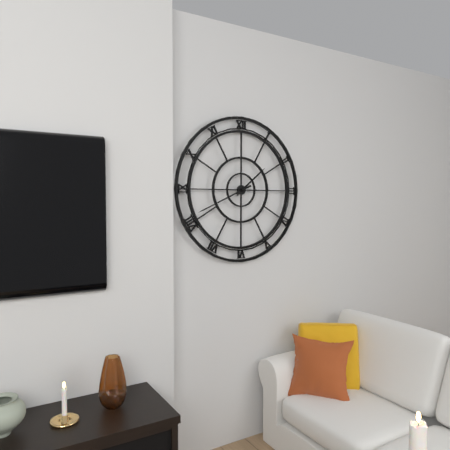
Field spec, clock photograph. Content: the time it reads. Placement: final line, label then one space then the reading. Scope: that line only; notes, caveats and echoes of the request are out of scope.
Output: 1:41
